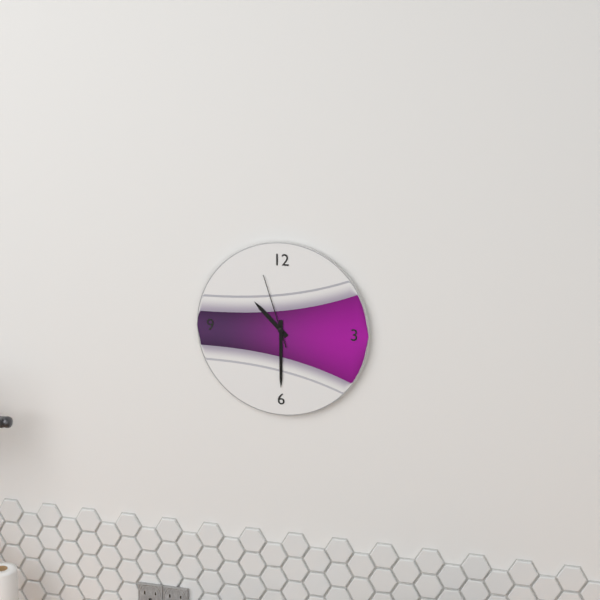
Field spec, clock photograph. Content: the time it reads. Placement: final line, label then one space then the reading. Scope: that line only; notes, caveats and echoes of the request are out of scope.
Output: 10:30:57
